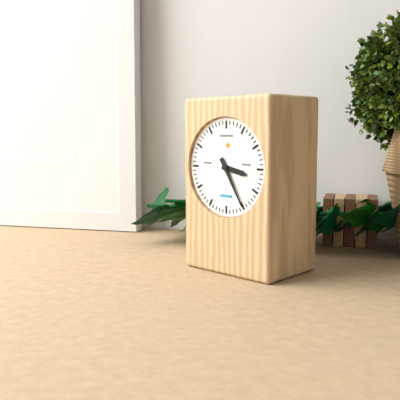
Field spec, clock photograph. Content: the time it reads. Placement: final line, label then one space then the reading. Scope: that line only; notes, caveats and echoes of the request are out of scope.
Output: 3:25
